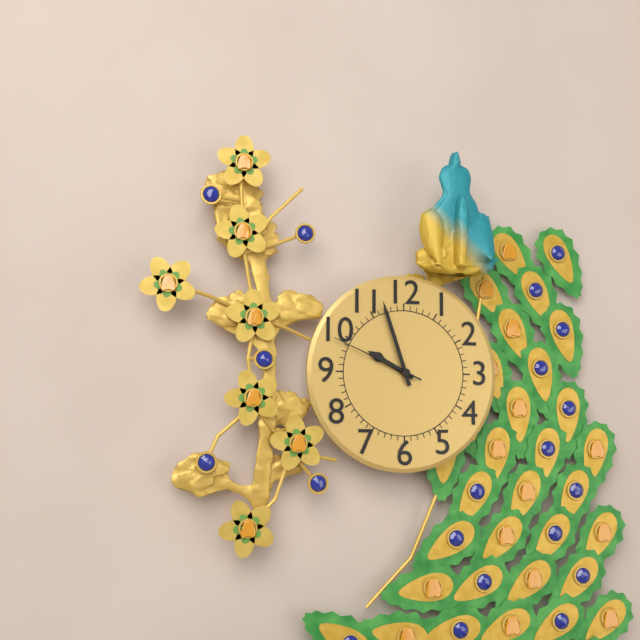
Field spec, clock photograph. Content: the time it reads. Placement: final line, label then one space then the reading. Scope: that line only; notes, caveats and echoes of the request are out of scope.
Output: 9:57:49
